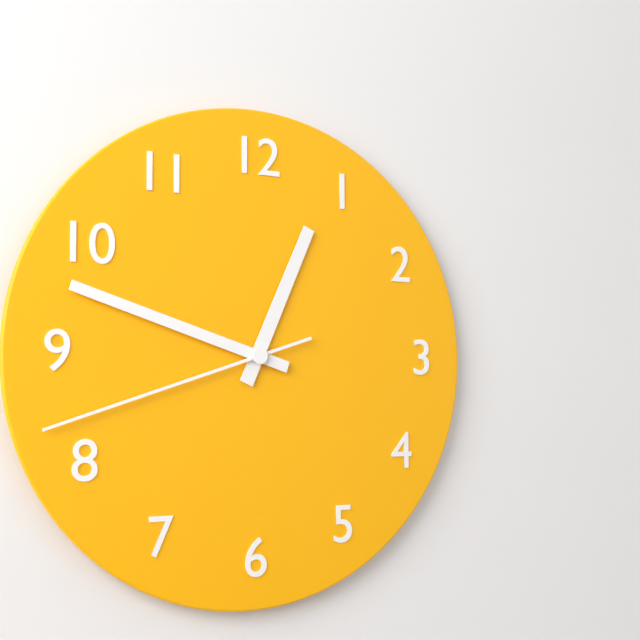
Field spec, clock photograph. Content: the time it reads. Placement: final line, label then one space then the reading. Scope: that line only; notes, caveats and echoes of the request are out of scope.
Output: 12:48:42
